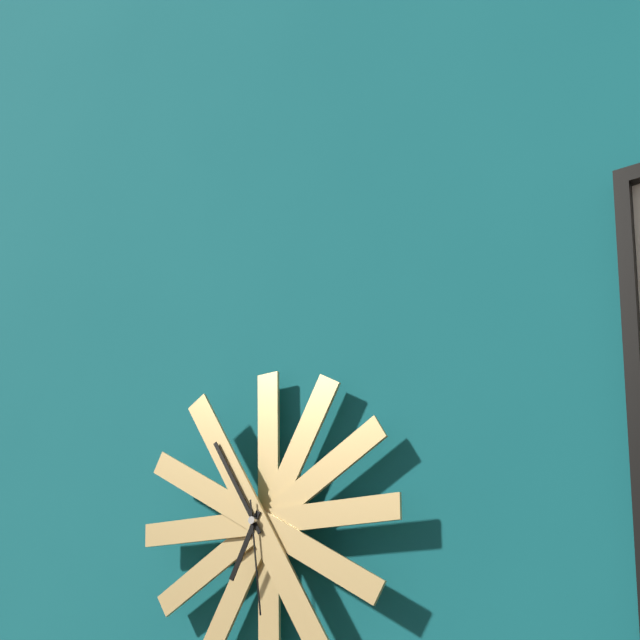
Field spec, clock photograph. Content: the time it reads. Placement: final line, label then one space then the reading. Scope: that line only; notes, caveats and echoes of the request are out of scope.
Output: 6:55:29
